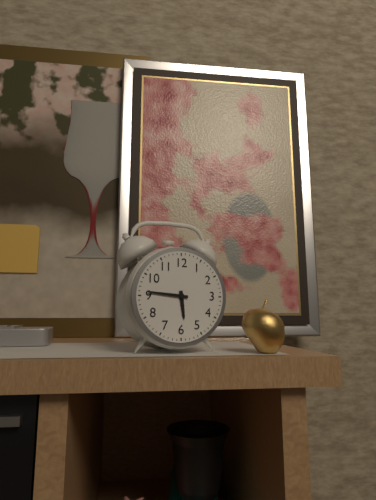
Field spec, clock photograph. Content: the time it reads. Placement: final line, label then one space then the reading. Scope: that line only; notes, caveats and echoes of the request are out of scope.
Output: 5:46
